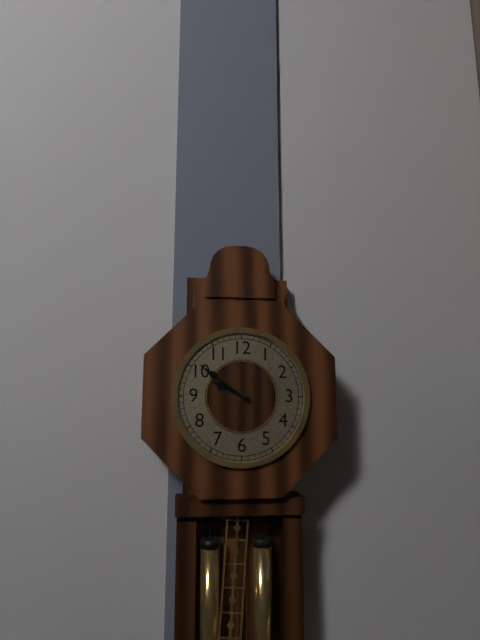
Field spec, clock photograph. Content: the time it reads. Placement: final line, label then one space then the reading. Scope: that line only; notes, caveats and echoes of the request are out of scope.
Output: 9:51
